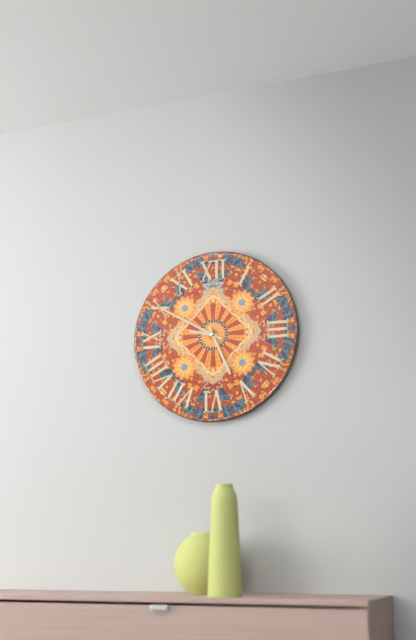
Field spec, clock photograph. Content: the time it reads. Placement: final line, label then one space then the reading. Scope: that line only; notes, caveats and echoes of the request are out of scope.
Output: 9:26:50
